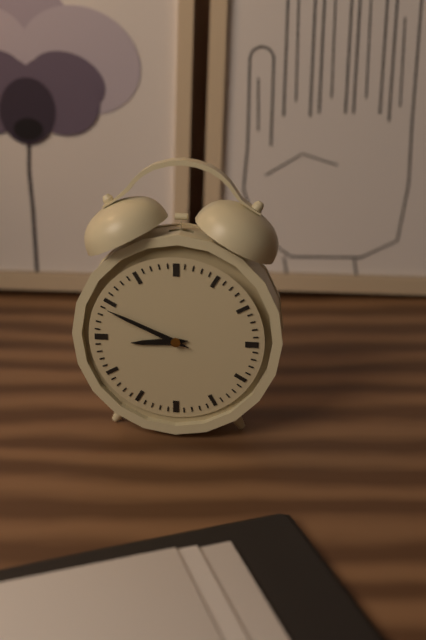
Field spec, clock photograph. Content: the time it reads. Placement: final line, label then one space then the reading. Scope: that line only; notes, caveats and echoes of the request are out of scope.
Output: 8:49
